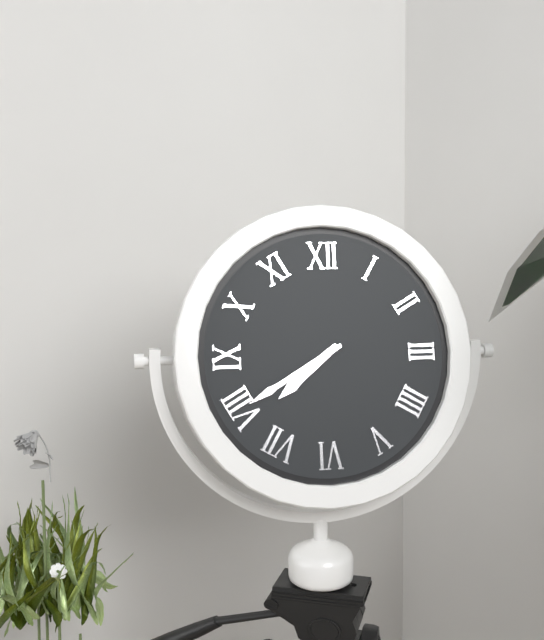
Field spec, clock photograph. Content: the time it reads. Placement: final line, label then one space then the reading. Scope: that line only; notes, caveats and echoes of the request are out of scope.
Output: 7:40
